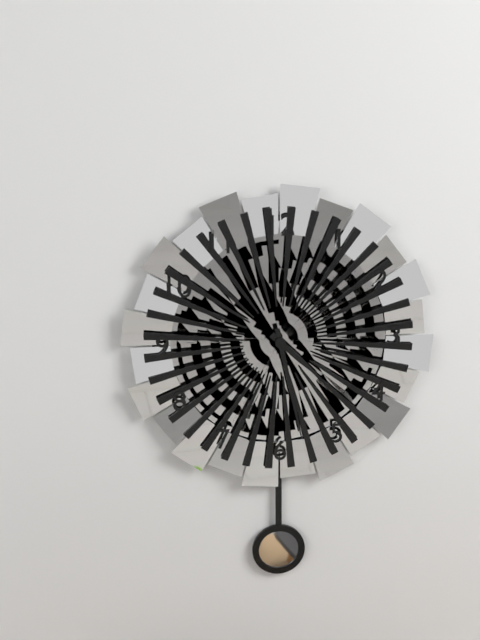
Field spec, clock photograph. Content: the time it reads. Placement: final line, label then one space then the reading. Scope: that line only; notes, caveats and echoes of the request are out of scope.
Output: 4:28
